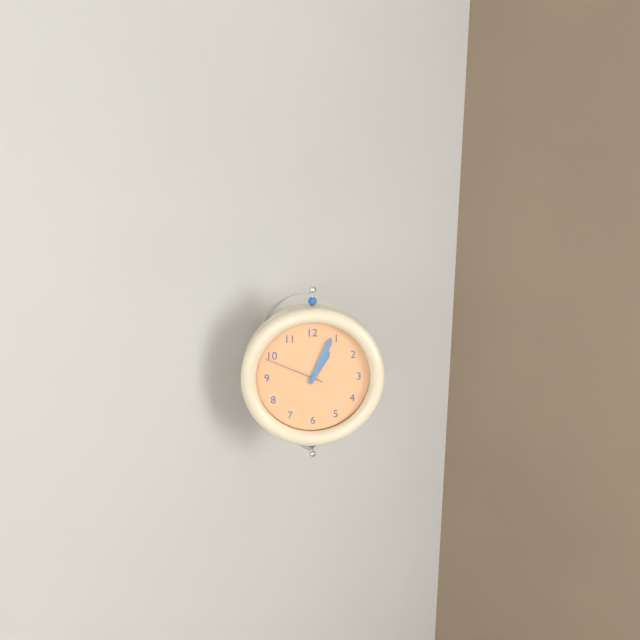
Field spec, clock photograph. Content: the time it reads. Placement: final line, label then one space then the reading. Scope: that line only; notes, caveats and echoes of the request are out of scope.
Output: 1:04:49
